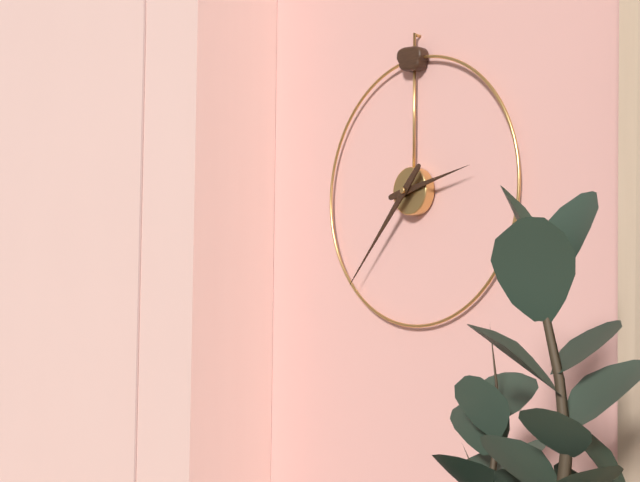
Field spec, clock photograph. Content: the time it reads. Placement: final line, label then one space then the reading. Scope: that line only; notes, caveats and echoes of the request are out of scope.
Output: 2:37
